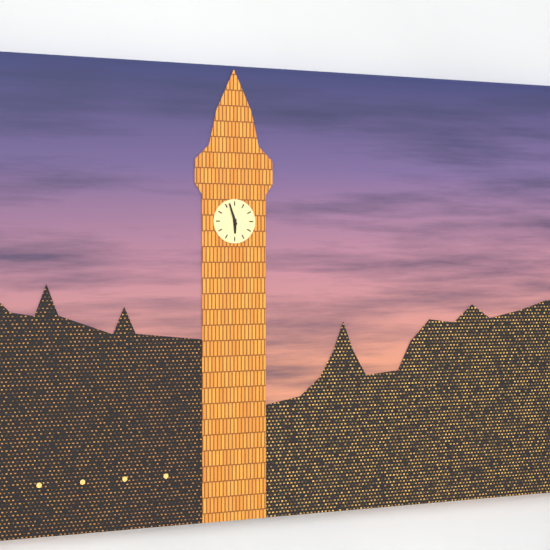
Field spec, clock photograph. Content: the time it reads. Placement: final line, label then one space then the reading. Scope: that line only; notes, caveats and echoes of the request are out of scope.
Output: 5:57
